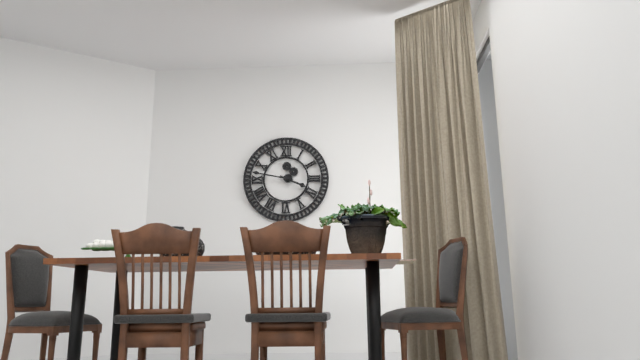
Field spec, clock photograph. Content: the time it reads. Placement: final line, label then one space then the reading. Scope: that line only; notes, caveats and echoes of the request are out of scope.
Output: 3:47
